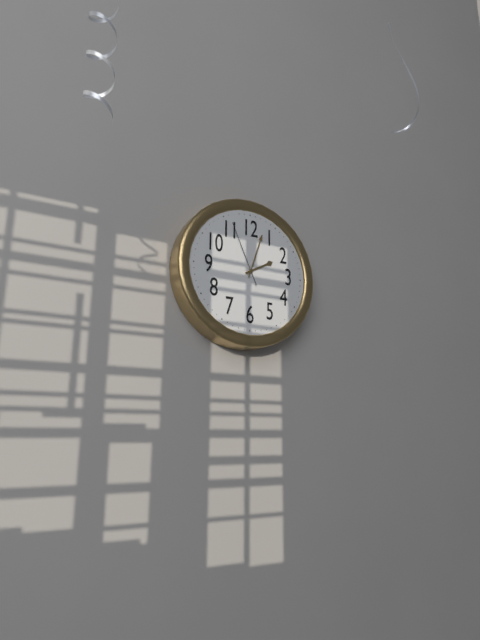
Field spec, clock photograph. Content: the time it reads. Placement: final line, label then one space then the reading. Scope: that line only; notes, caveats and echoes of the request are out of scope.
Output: 2:03:56
